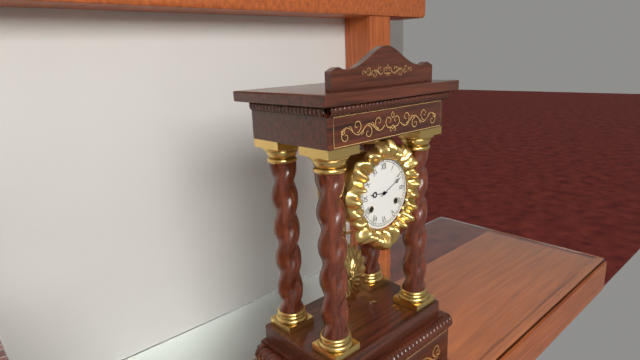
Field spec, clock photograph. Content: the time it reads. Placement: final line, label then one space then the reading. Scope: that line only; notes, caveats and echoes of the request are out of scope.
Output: 9:11
